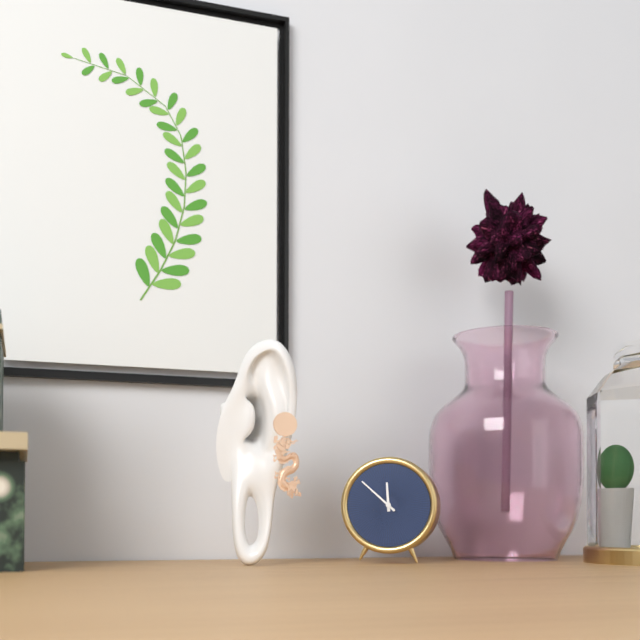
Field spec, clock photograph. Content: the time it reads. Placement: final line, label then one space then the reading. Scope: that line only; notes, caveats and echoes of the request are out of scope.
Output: 11:52
